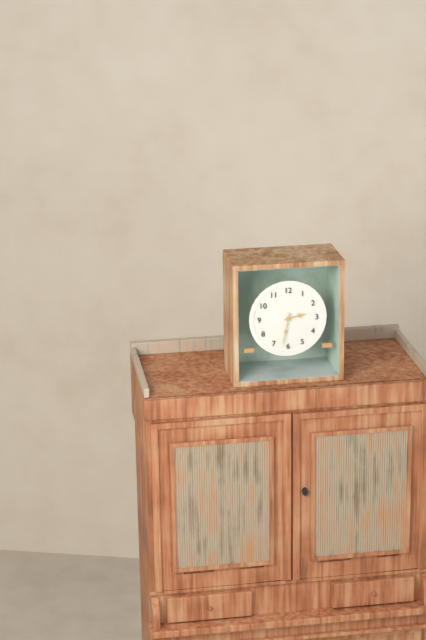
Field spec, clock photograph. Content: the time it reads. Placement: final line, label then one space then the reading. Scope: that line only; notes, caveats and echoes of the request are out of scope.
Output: 2:32
